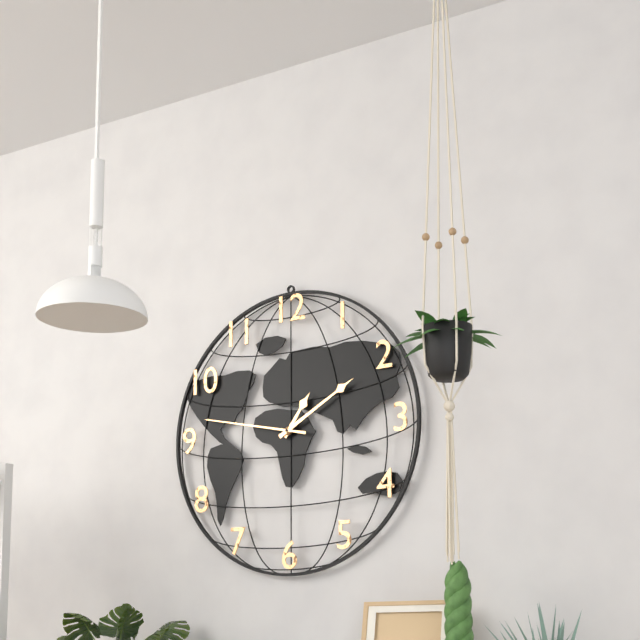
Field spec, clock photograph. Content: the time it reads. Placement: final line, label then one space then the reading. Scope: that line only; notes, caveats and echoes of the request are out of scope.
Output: 1:10:47
